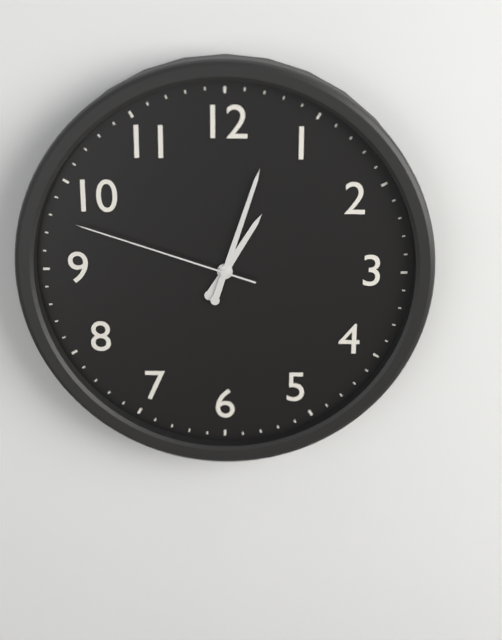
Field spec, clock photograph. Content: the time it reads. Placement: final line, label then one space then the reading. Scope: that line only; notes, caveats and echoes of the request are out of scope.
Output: 1:03:48
